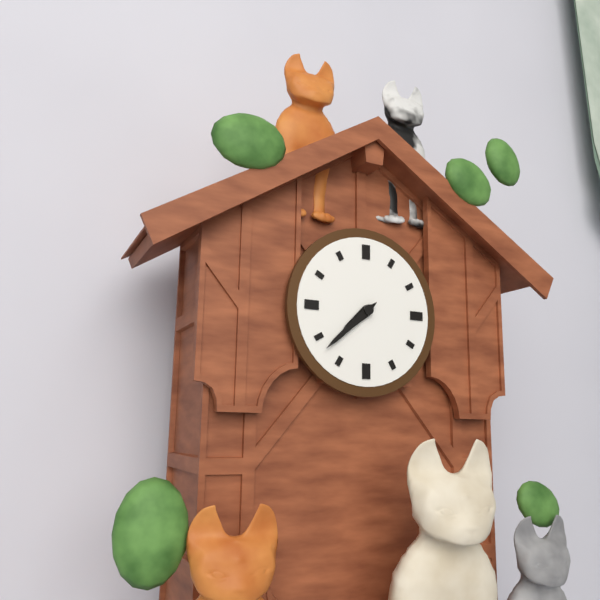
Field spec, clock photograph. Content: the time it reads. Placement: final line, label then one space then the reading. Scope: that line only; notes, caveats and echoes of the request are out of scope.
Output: 7:38
